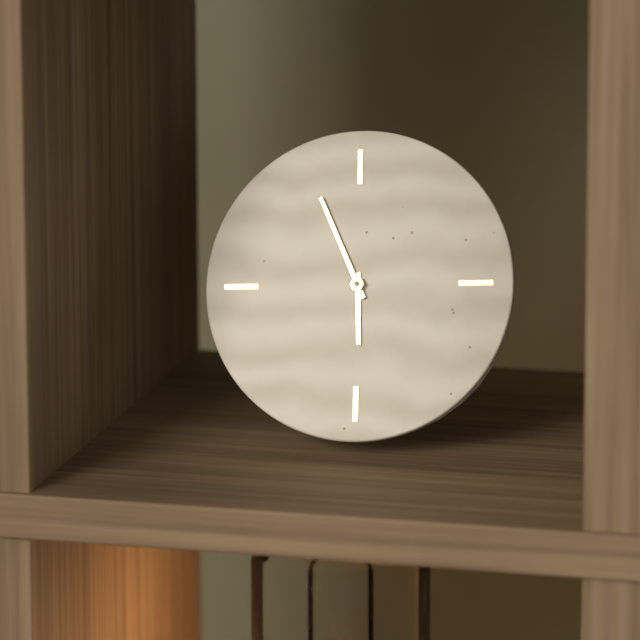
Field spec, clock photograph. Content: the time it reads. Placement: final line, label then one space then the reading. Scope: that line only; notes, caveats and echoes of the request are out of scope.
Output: 5:56
